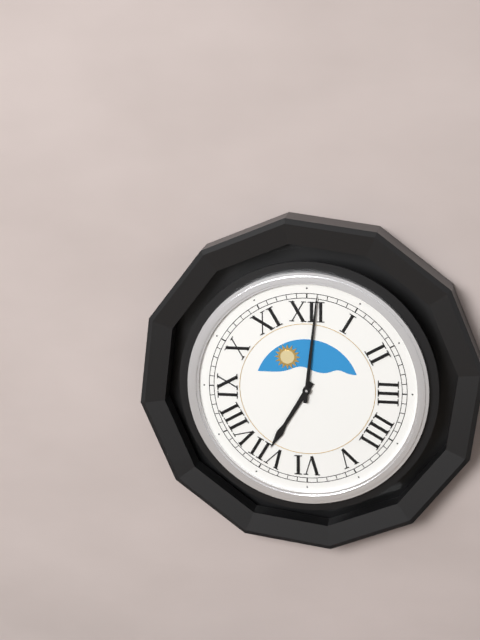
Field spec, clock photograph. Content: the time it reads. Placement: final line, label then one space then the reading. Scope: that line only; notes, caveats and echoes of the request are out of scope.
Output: 7:01
